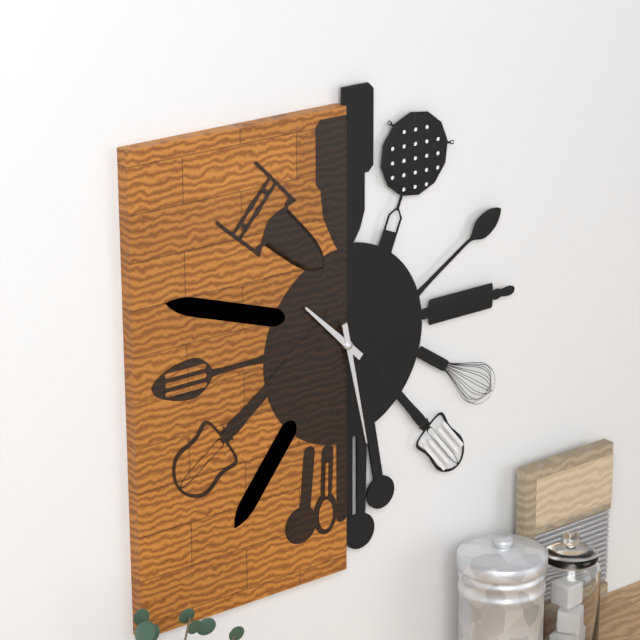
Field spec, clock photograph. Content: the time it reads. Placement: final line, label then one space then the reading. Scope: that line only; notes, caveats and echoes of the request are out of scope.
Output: 10:28
